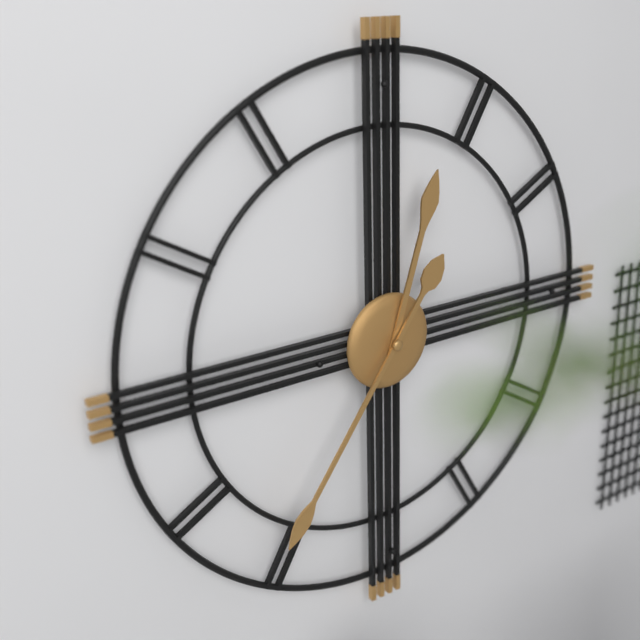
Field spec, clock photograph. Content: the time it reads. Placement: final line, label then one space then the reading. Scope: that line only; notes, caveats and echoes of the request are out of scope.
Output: 12:36
